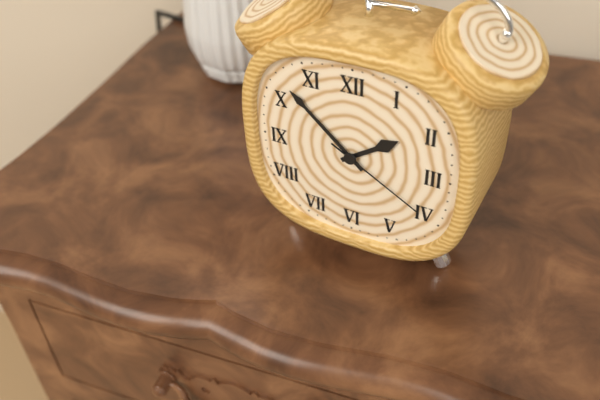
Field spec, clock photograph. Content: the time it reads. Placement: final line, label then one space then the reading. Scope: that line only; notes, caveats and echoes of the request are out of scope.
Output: 1:52:20
